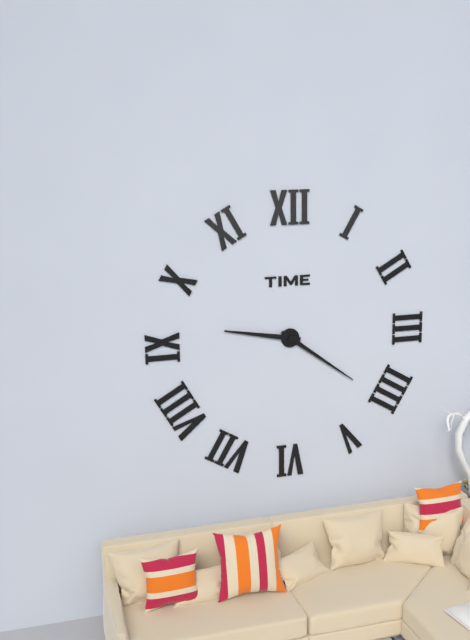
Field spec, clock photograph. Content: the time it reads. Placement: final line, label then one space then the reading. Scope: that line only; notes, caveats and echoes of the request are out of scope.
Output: 9:21
